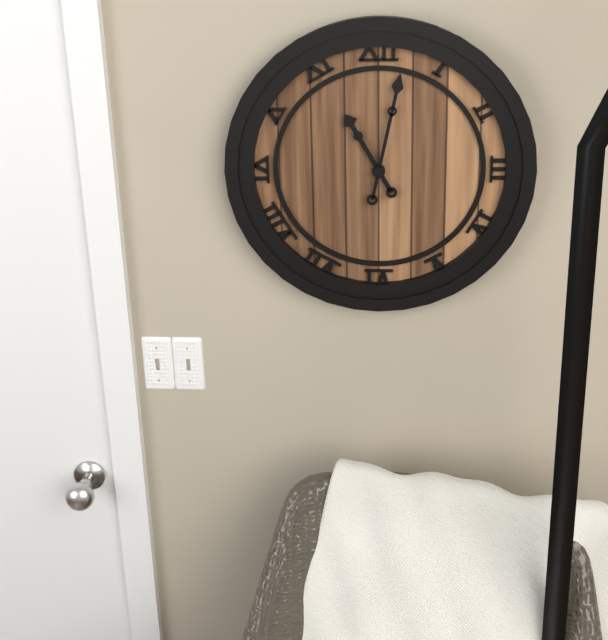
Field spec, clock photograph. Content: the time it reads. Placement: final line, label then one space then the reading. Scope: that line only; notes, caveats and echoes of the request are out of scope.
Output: 11:02
